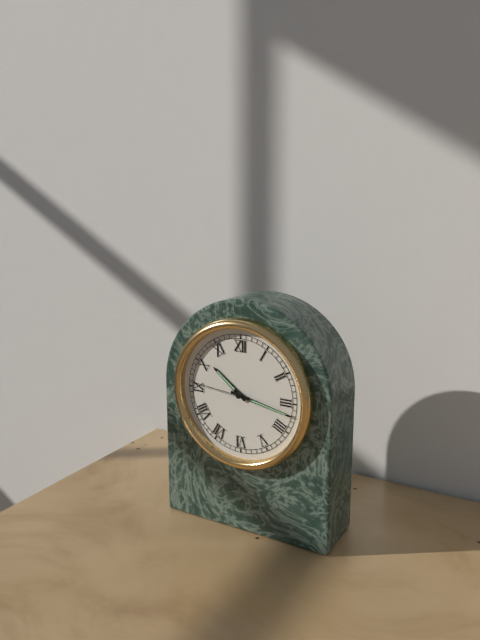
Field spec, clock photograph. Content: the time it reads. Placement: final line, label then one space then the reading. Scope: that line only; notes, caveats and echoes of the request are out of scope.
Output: 10:17:46
